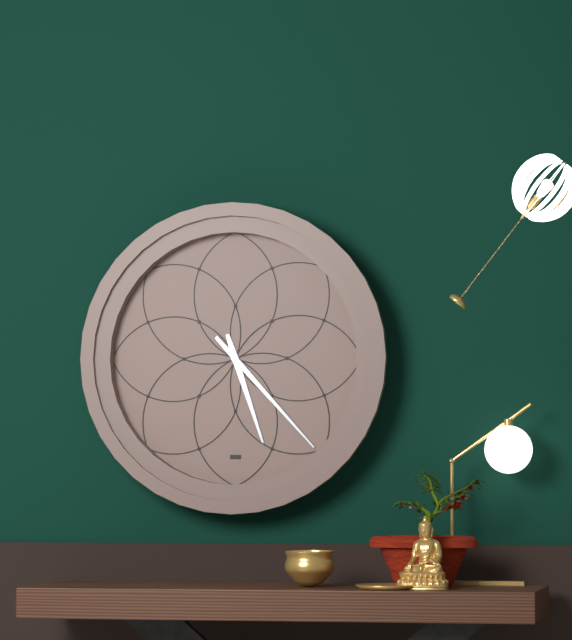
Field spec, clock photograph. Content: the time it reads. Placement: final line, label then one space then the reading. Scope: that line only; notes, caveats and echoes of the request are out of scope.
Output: 5:23
